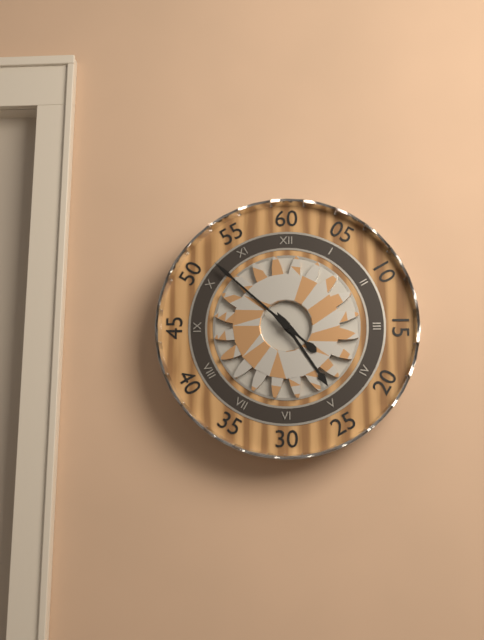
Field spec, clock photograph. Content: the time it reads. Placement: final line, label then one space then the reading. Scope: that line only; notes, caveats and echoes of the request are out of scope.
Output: 4:52
